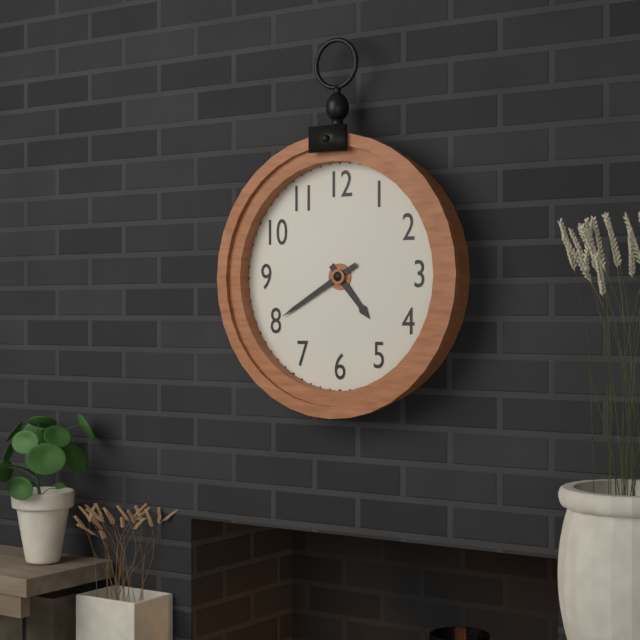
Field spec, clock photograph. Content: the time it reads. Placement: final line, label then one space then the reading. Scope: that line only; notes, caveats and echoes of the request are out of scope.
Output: 4:40
